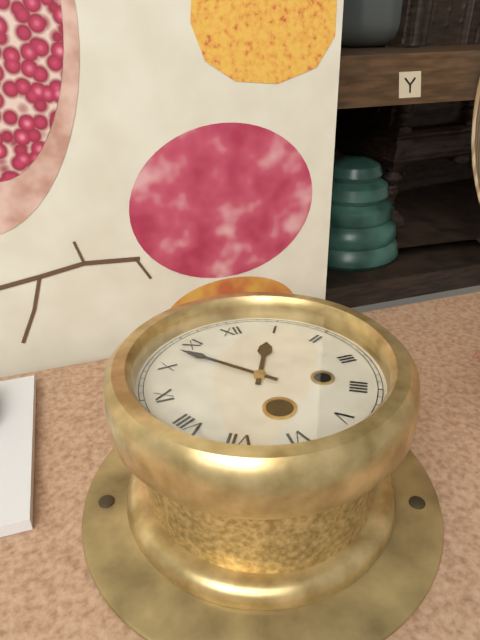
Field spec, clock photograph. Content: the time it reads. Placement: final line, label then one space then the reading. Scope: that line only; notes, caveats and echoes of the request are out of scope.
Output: 12:53
